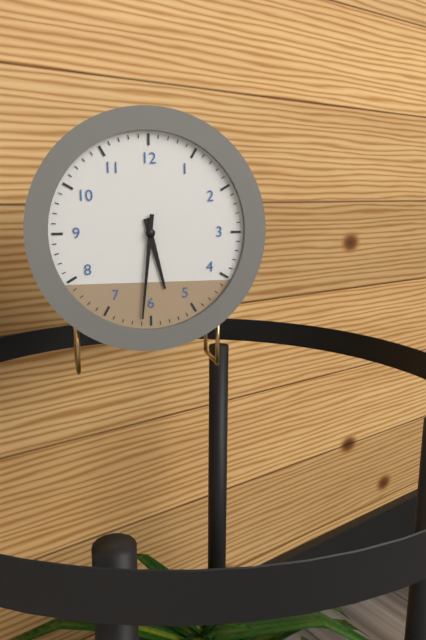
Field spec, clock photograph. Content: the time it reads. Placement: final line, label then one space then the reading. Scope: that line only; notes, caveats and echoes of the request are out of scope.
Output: 5:31
